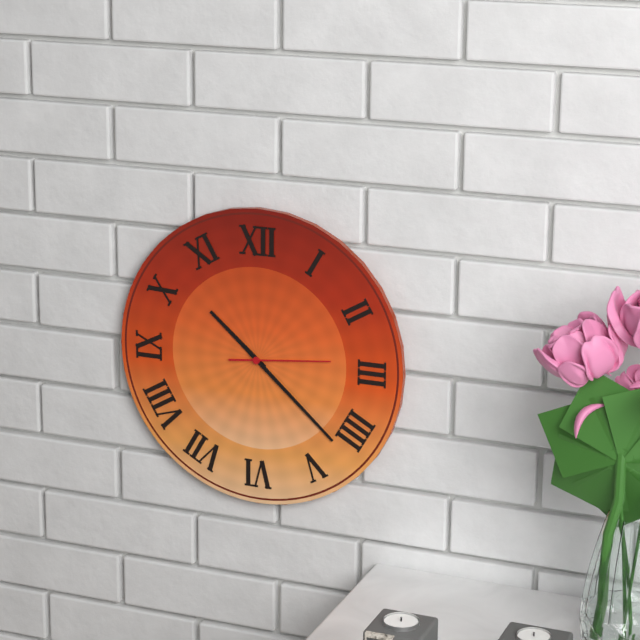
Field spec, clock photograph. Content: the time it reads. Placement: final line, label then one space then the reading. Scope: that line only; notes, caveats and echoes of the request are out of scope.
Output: 10:22:14
